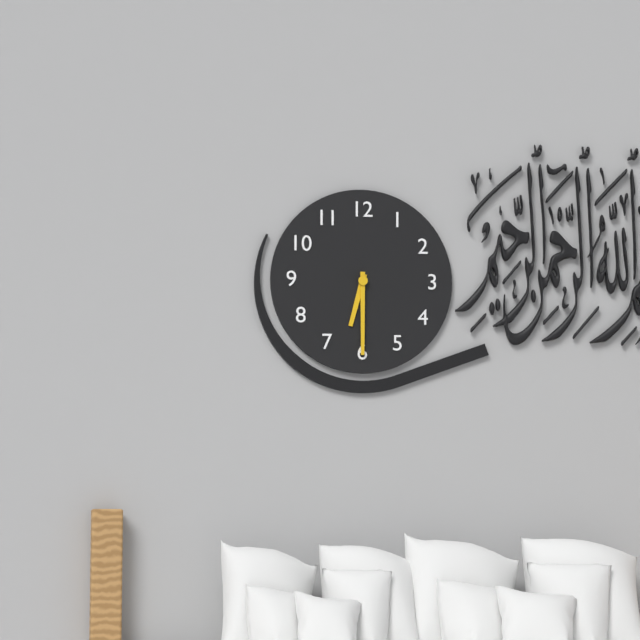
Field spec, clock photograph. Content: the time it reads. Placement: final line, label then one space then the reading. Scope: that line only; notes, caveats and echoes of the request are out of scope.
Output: 6:30
